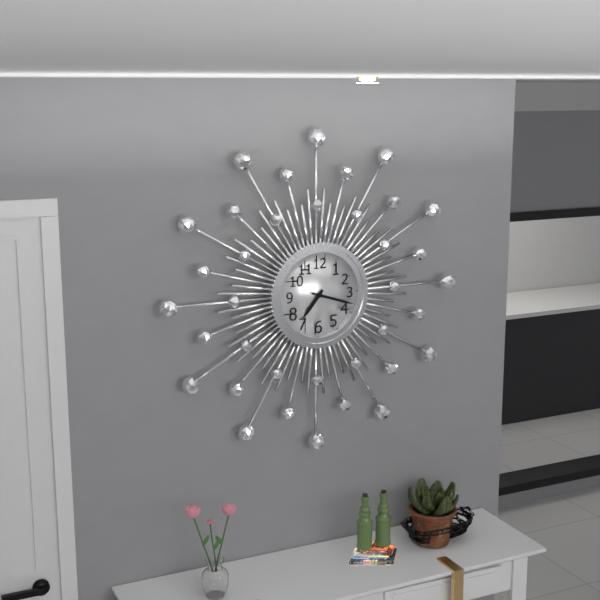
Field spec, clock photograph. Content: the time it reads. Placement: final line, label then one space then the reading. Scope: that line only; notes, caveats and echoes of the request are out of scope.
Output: 7:18
